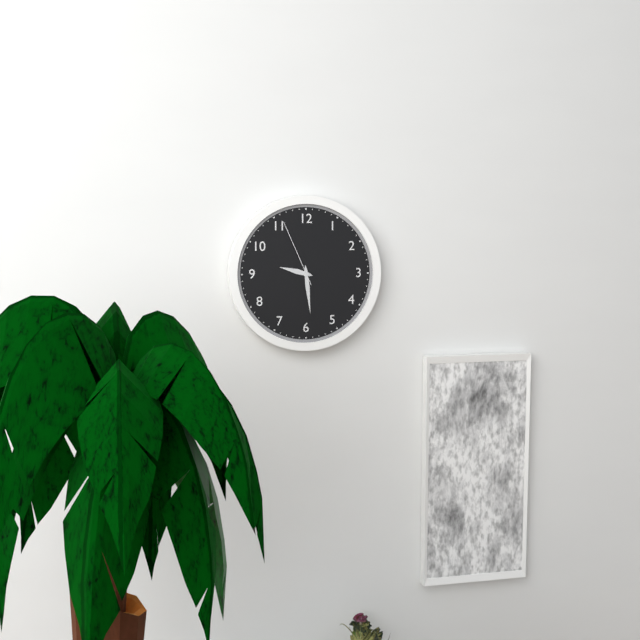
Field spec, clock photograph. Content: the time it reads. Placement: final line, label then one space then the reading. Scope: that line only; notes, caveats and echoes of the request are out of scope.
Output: 9:29:56
